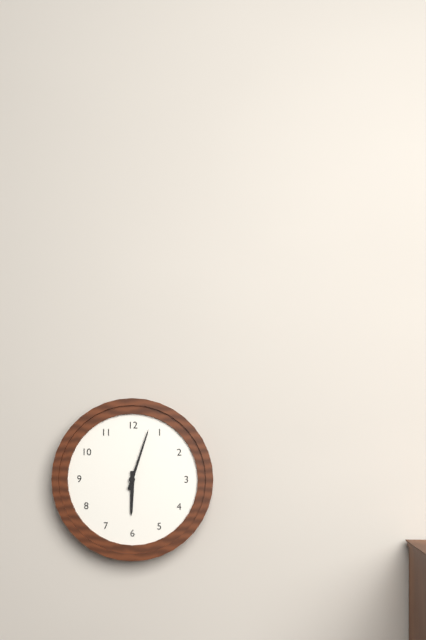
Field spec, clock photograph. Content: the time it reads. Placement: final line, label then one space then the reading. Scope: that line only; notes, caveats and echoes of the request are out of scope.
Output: 6:03
